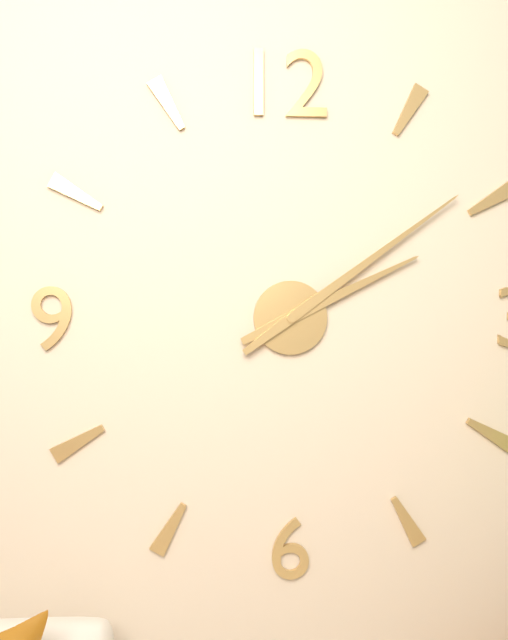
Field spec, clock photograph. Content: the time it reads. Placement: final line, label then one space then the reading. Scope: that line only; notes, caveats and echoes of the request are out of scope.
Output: 2:09
